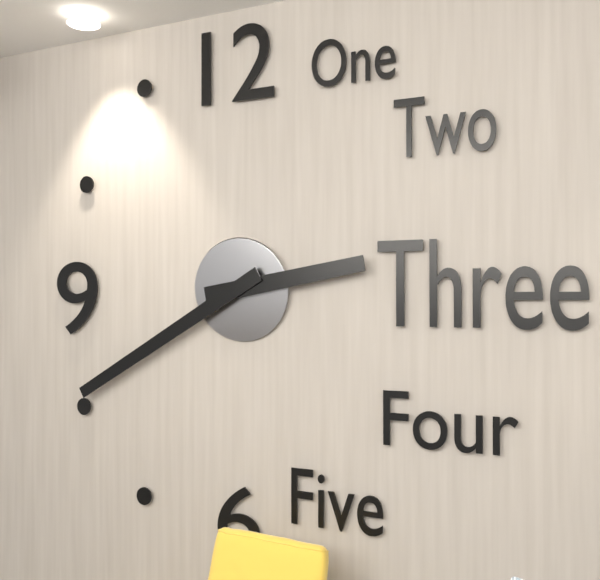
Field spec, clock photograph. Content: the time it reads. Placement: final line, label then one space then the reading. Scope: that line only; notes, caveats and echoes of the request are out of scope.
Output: 2:40
